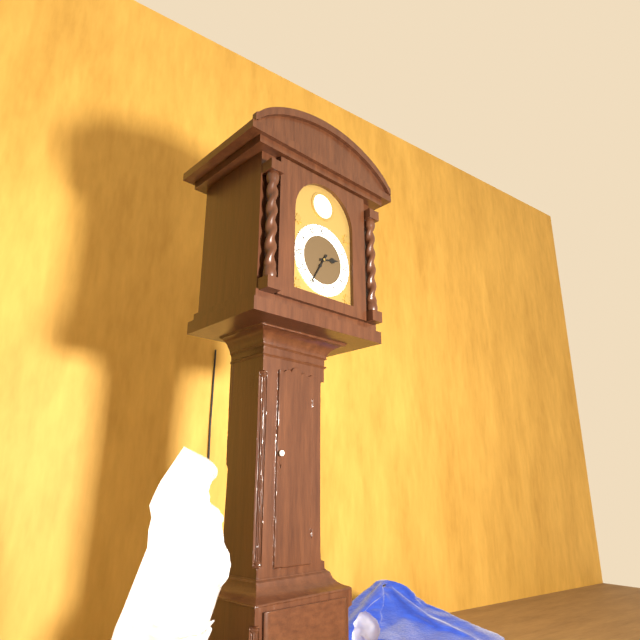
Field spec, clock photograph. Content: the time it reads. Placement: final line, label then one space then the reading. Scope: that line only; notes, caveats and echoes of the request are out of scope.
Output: 2:35
